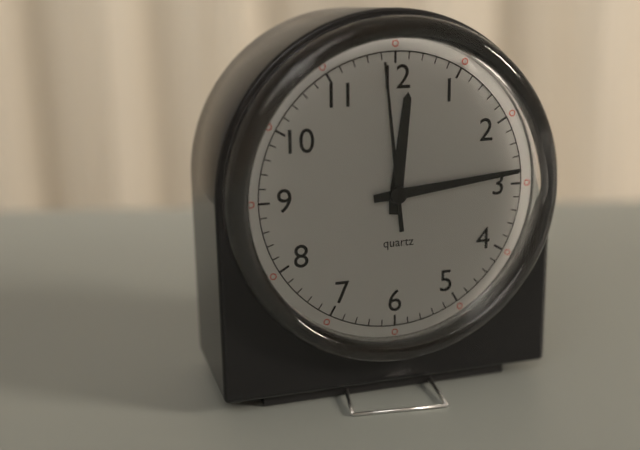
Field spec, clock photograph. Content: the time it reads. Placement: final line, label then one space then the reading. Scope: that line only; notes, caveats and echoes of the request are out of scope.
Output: 12:14:59
